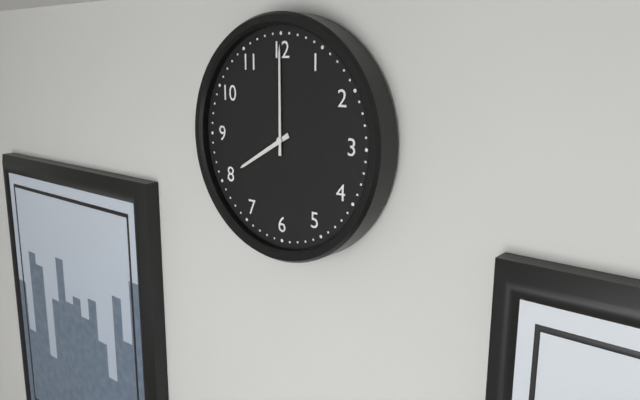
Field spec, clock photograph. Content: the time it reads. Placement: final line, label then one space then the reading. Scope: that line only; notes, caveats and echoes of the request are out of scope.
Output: 8:00
